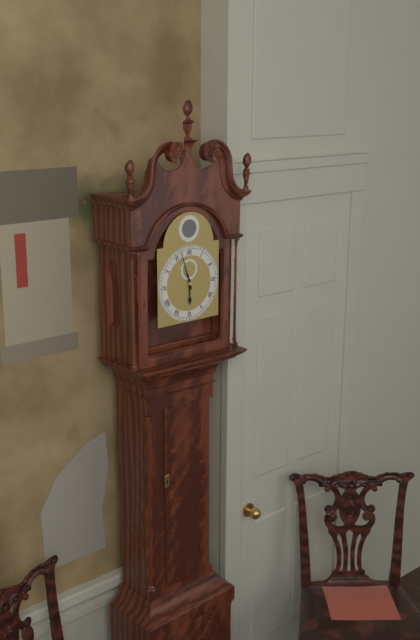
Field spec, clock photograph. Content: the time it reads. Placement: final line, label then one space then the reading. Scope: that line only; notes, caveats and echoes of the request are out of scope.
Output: 5:57
